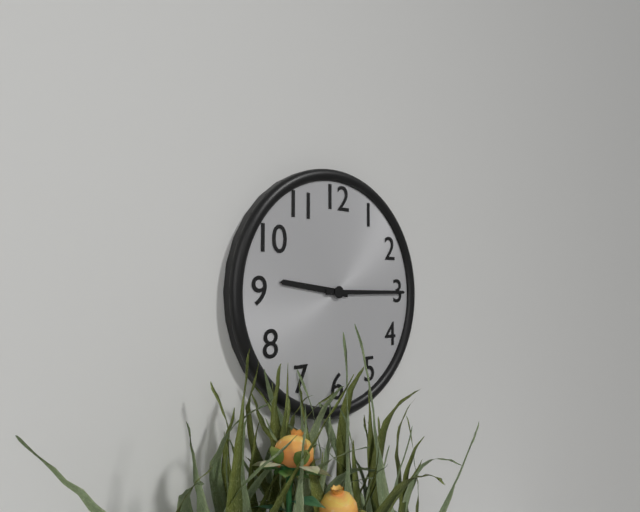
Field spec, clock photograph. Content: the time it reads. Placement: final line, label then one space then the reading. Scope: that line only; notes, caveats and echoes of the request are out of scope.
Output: 9:15
